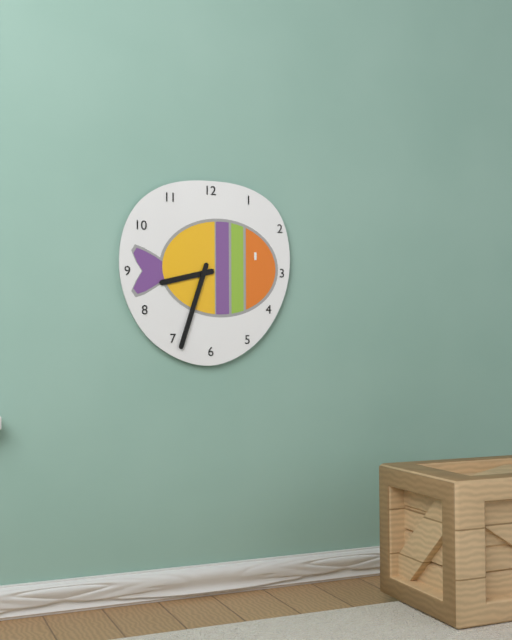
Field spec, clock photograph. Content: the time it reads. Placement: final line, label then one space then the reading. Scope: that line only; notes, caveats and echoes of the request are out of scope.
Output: 8:33
